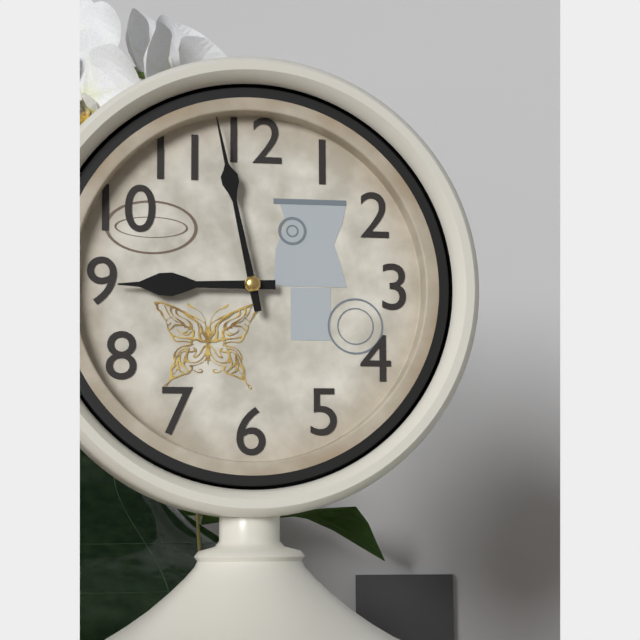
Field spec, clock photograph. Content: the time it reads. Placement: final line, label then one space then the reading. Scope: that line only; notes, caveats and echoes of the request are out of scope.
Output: 8:58
